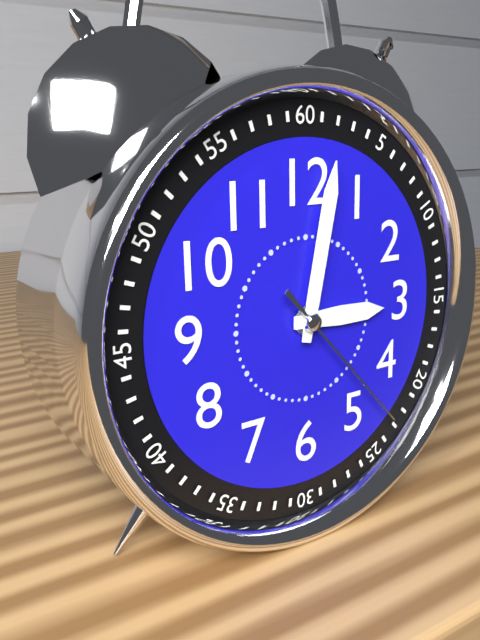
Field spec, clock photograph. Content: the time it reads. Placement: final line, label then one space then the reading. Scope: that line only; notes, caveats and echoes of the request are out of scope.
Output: 3:02:23
